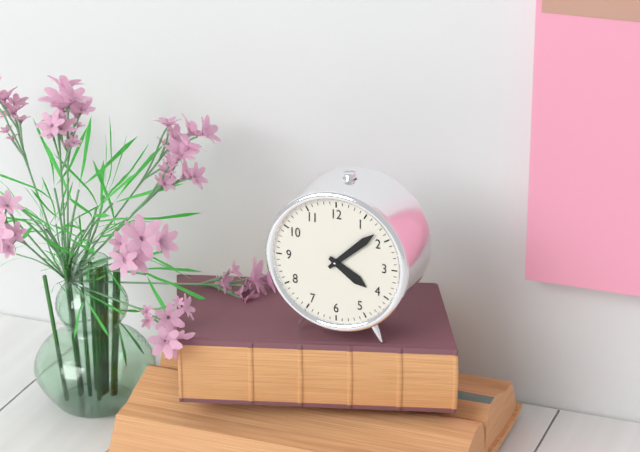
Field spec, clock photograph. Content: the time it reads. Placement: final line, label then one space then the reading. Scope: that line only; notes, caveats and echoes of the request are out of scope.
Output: 4:08
